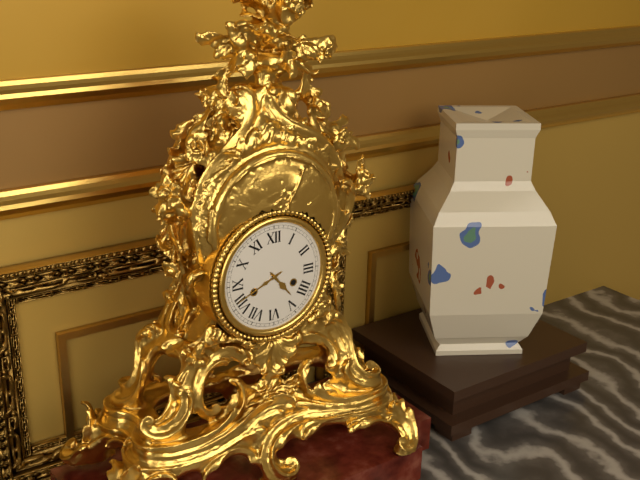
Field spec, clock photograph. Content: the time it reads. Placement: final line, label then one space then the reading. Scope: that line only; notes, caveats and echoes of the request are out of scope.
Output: 4:41
